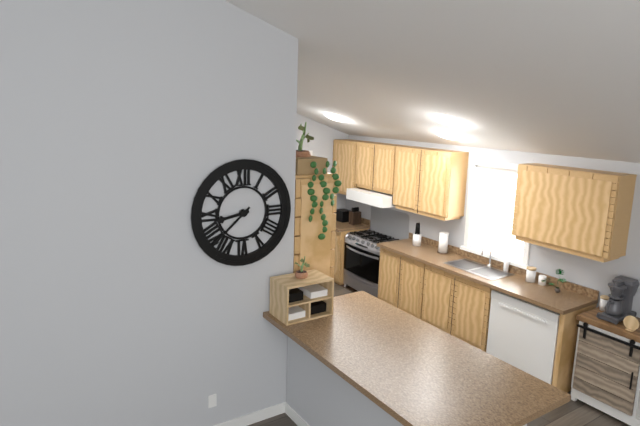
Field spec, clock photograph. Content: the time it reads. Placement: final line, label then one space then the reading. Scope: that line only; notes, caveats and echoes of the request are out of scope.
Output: 8:38
